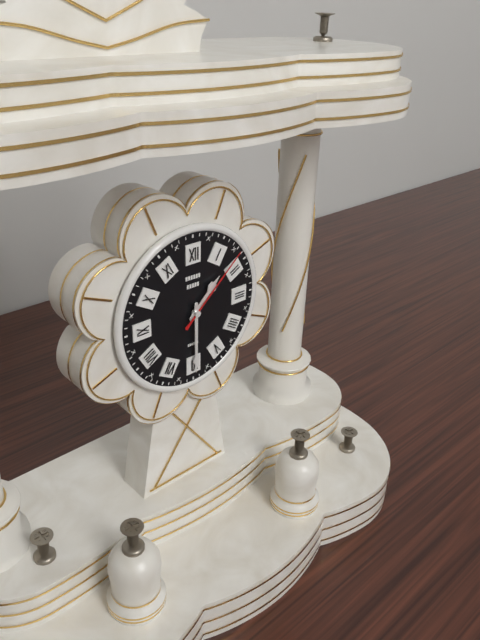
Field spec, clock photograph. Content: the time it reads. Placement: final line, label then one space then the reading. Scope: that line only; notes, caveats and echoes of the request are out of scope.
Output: 1:30:08
